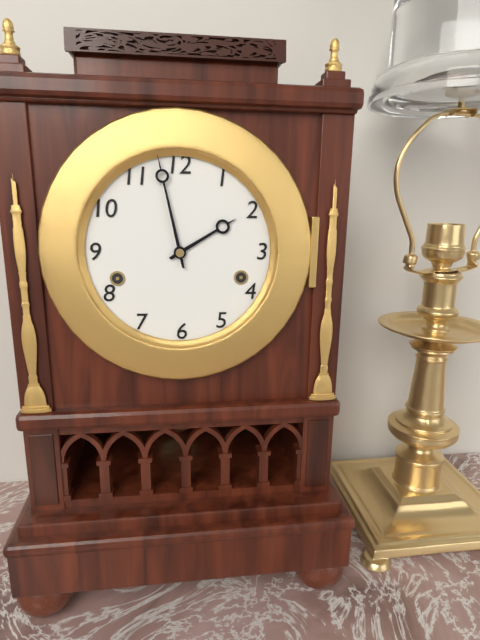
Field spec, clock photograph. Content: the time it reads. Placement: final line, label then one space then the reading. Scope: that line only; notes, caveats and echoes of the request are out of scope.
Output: 1:58
